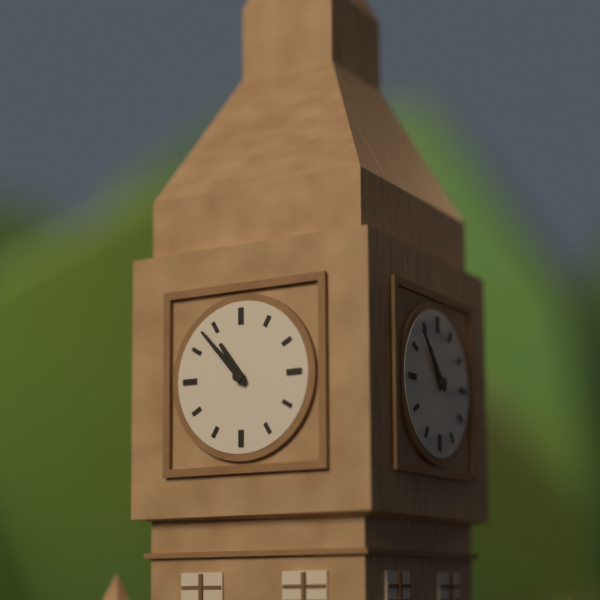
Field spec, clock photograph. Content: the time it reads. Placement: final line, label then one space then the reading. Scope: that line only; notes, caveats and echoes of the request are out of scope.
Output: 10:53
